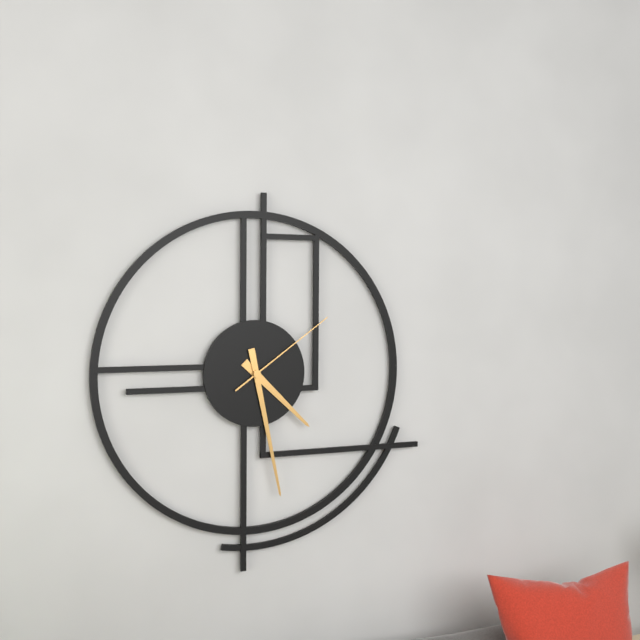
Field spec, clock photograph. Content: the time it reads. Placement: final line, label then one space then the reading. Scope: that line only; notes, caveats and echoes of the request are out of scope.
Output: 4:28:09
